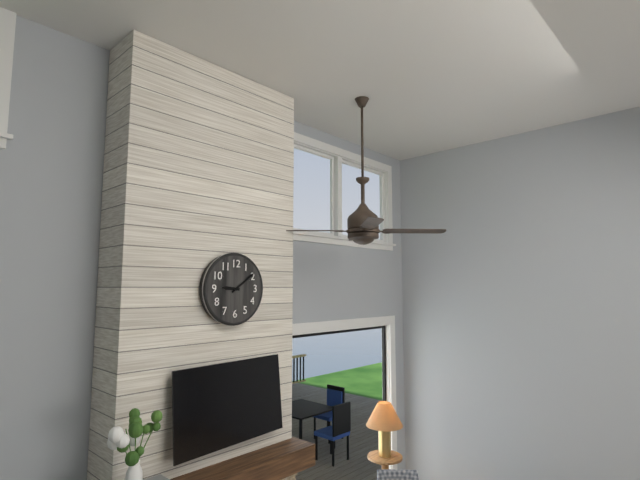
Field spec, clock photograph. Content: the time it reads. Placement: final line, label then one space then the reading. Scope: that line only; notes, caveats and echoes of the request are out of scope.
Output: 9:09
